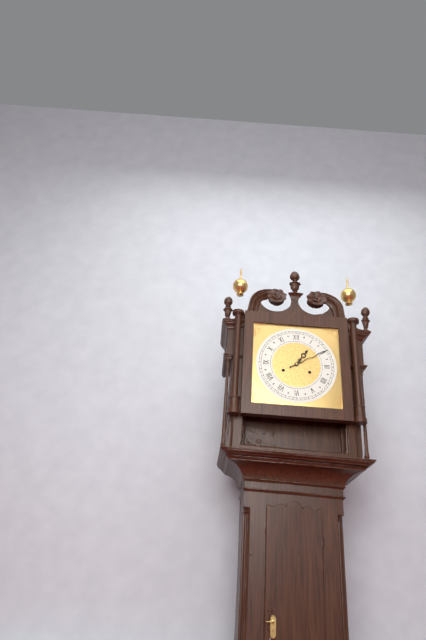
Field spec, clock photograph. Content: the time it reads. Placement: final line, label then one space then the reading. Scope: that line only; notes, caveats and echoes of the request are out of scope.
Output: 1:10
